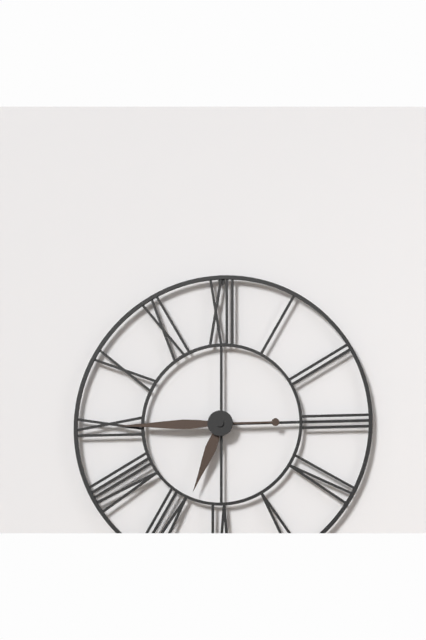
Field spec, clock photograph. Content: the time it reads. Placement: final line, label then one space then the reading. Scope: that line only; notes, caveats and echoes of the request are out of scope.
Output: 6:45
